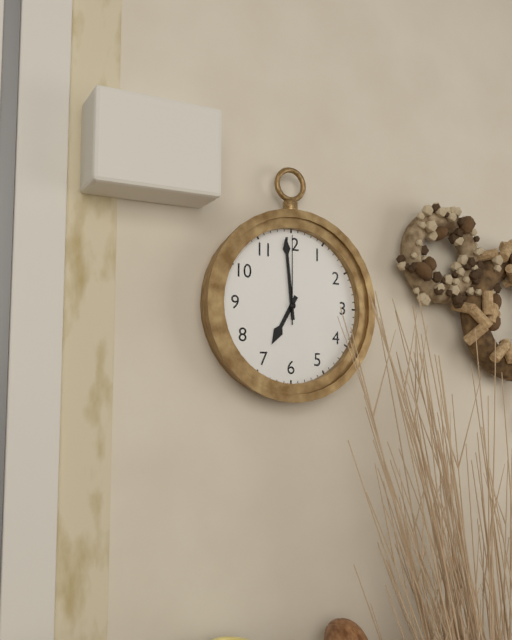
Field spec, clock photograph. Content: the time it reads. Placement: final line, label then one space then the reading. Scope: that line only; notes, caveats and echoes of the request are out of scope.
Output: 6:59:00
